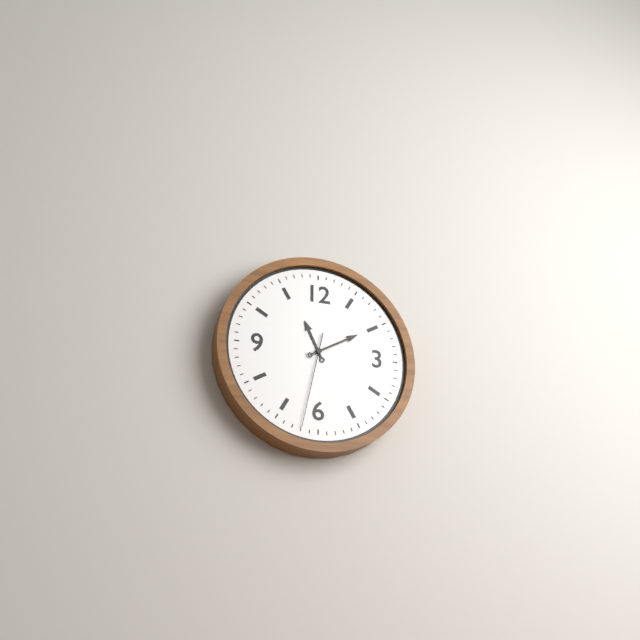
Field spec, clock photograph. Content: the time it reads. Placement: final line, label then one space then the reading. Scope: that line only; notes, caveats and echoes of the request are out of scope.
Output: 11:10:32
